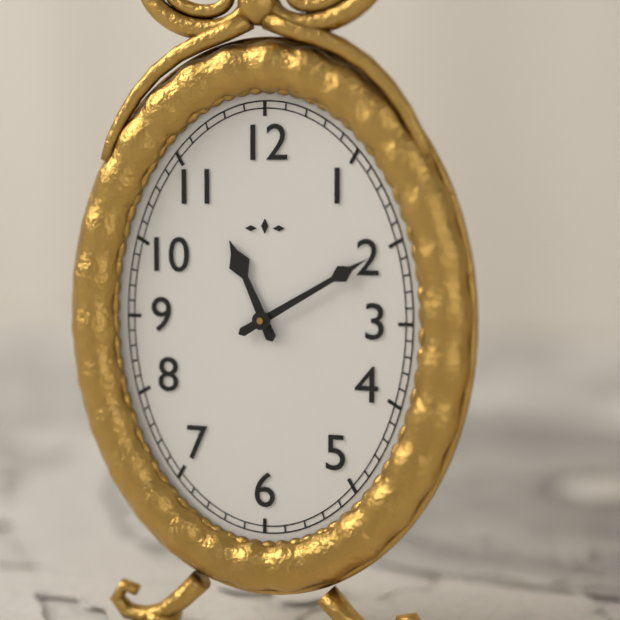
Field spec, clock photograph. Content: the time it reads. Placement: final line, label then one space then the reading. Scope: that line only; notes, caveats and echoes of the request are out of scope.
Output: 11:10
